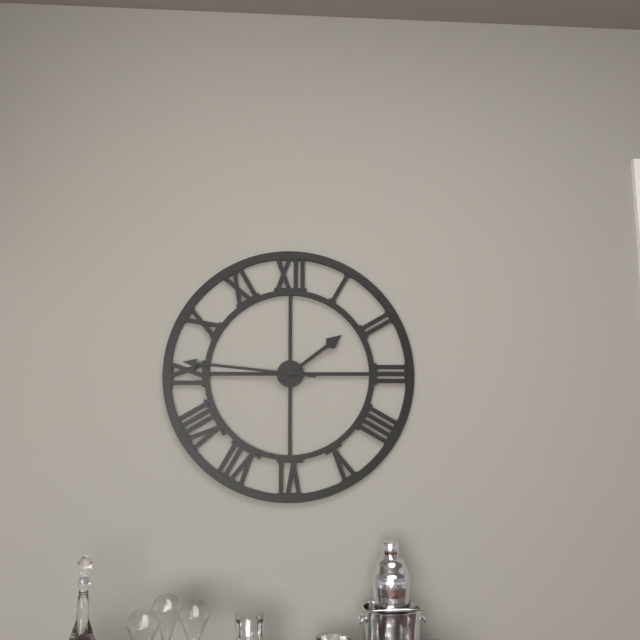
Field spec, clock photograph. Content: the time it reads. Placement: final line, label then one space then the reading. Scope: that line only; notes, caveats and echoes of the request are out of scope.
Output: 1:46
